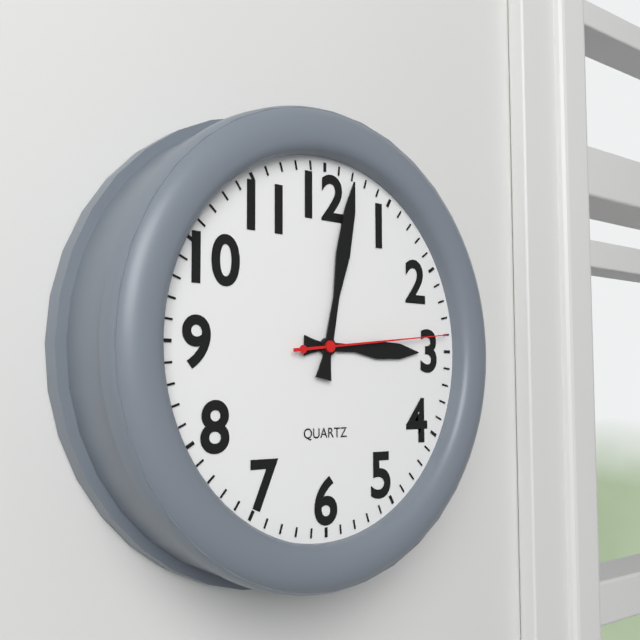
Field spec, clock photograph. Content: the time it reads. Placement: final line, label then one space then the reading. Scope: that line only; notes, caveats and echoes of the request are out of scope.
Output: 3:02:14
